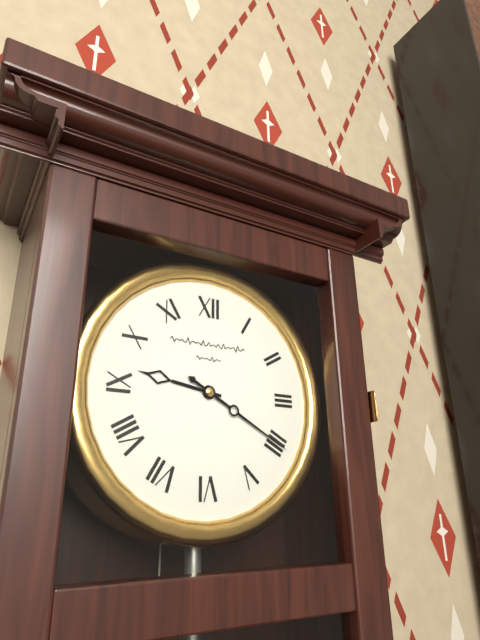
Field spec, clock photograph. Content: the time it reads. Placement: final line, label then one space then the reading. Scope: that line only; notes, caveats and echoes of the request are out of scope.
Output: 9:20
